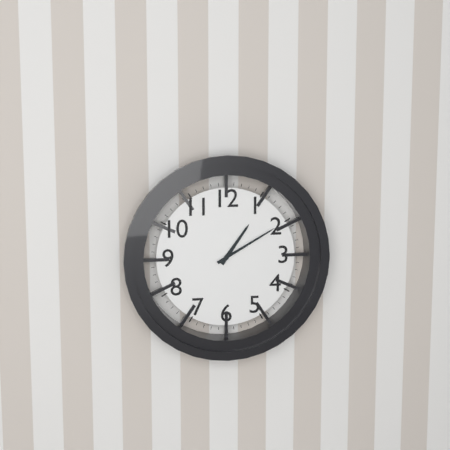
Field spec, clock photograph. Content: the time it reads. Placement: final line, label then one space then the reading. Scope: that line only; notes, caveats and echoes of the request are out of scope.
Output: 1:10
